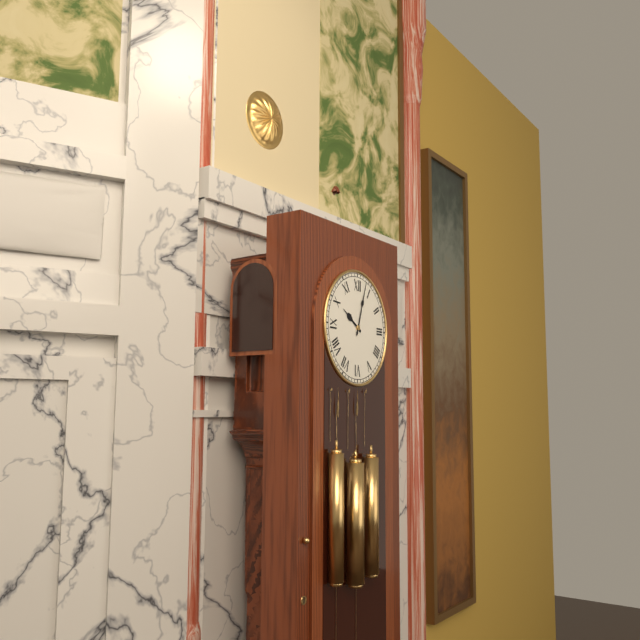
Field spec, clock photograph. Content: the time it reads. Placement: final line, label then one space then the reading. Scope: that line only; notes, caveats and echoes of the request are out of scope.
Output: 10:03
